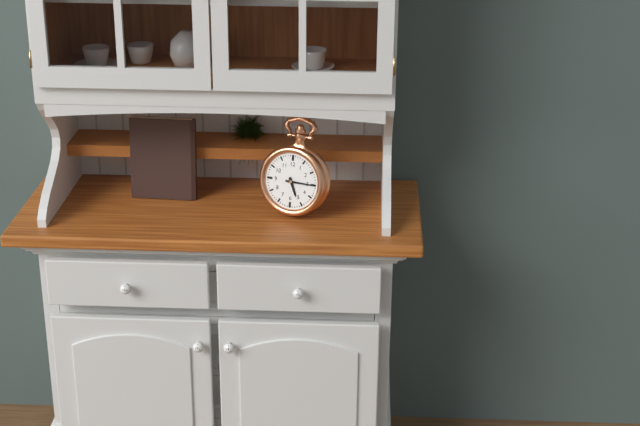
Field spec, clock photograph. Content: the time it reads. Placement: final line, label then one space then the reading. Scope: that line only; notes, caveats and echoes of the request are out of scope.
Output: 5:15
